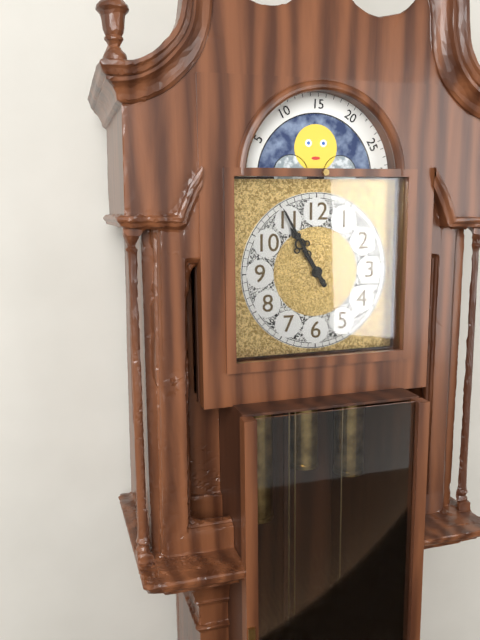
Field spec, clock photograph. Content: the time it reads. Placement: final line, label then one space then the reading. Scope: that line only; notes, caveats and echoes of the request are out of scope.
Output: 10:55
